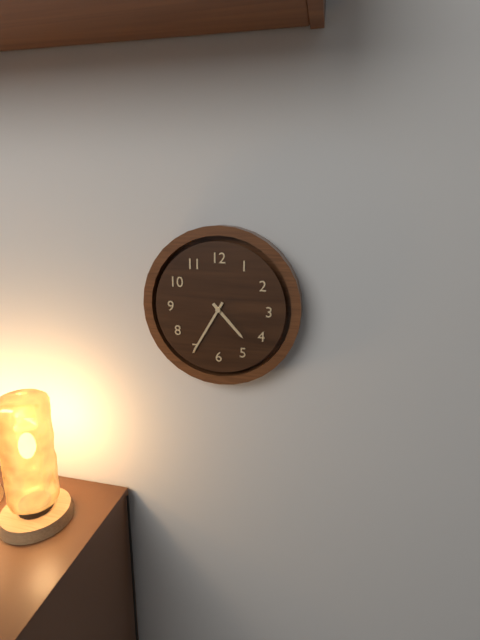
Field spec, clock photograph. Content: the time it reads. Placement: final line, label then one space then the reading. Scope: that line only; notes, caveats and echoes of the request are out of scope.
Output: 4:35
